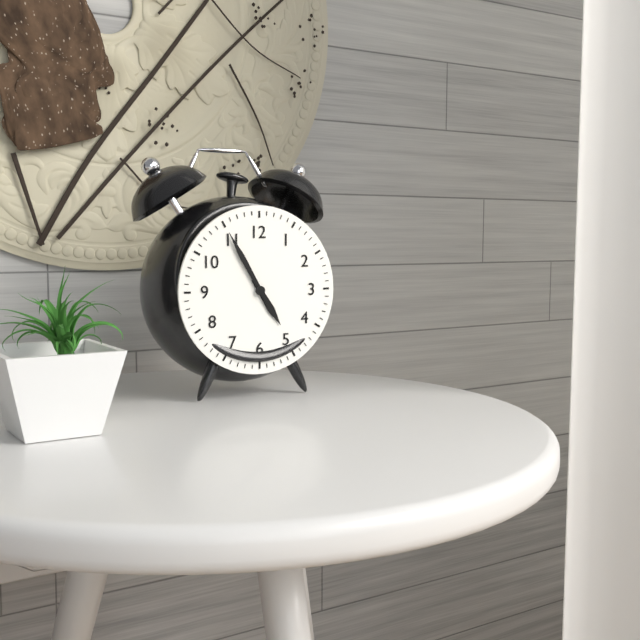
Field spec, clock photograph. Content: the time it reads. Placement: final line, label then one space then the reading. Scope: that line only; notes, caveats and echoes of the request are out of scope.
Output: 4:55
